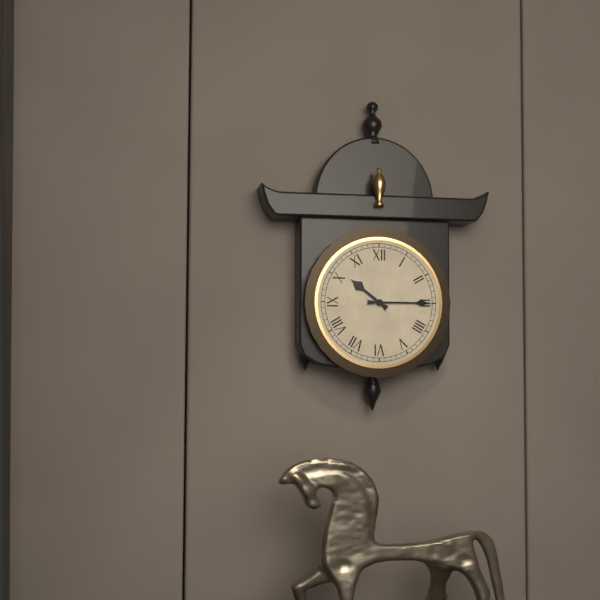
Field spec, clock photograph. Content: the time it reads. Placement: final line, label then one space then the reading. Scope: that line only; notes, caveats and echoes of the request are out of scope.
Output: 10:15
